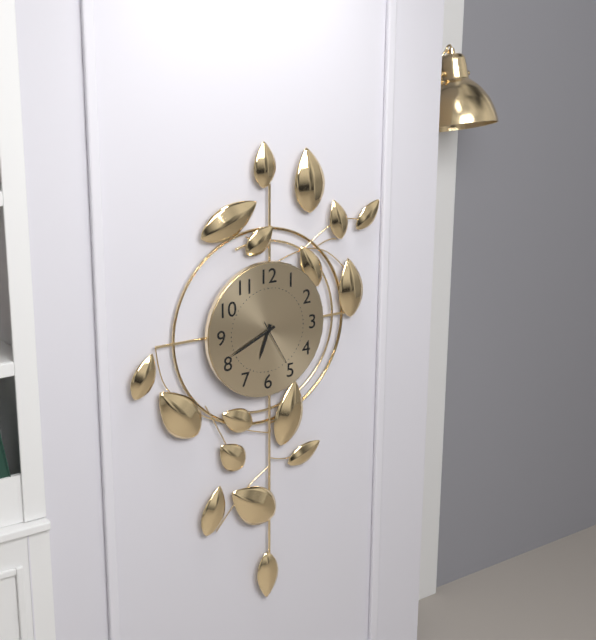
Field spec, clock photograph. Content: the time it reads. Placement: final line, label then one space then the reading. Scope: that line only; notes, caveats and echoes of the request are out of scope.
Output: 6:41
